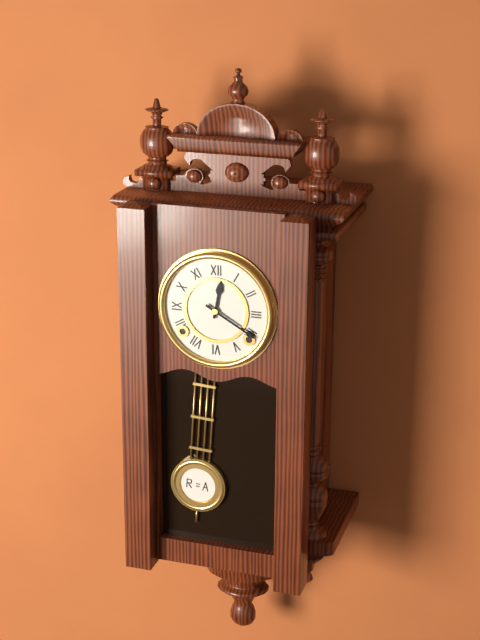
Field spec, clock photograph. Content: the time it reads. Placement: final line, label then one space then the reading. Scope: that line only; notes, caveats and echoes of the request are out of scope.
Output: 12:20
